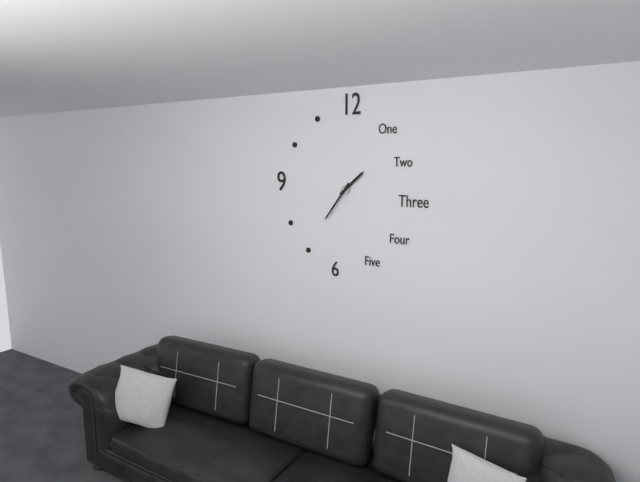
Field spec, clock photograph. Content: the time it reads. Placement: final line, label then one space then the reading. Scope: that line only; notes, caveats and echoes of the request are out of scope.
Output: 1:36
